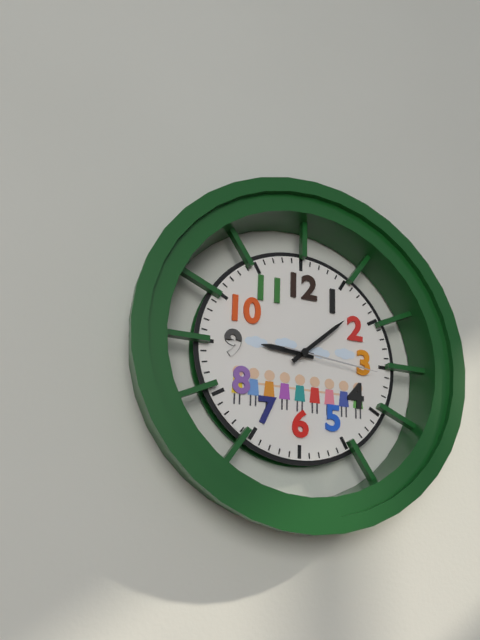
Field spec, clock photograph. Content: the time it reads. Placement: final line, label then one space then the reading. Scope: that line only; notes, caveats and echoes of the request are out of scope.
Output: 9:08:16
